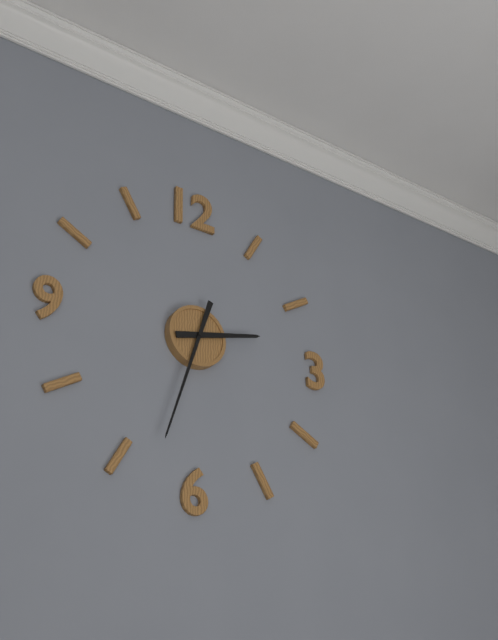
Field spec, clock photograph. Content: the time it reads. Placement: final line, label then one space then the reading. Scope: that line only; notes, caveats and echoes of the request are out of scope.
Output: 2:33
